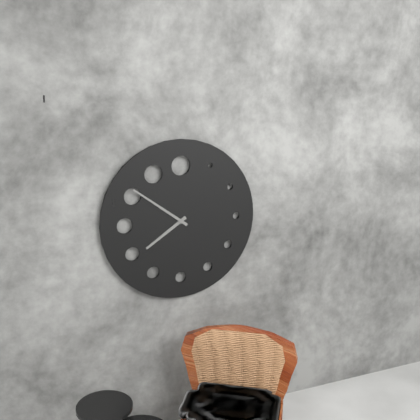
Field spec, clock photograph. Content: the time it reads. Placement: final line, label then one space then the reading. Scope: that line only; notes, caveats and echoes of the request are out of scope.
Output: 7:51
